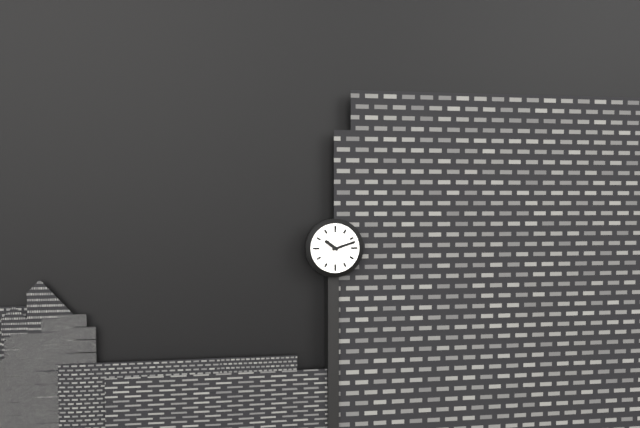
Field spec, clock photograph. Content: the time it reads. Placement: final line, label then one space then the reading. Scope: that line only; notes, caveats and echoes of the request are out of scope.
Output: 10:12
